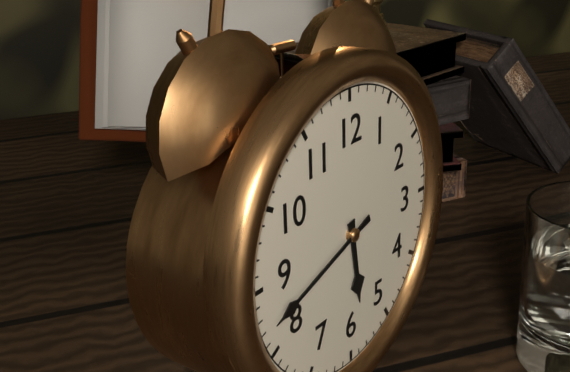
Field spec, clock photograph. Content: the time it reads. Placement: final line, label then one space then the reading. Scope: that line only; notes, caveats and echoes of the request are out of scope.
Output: 5:42
